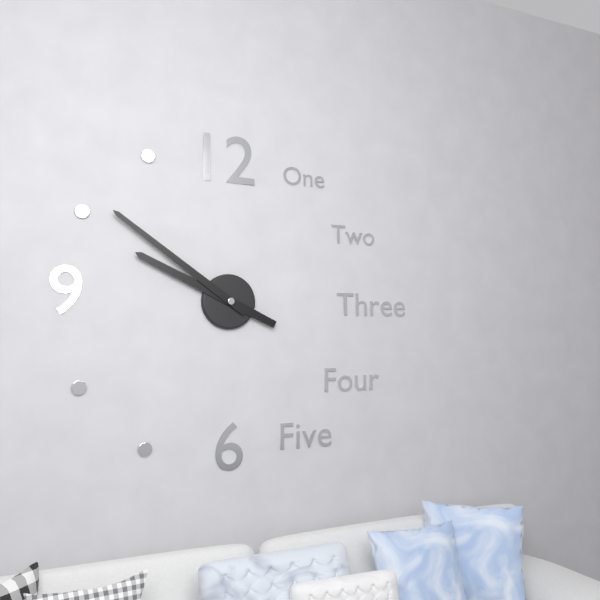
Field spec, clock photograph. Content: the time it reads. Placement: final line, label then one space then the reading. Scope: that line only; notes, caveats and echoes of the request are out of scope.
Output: 9:51
